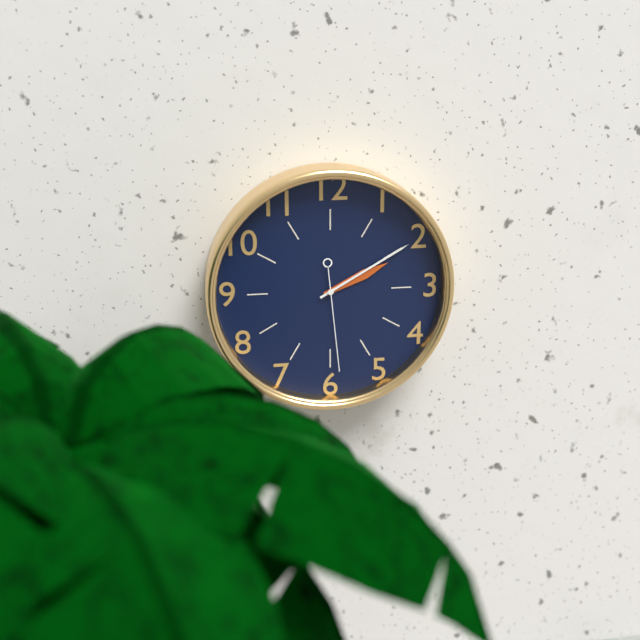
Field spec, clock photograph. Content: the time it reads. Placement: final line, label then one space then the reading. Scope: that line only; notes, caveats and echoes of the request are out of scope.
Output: 2:10:29
